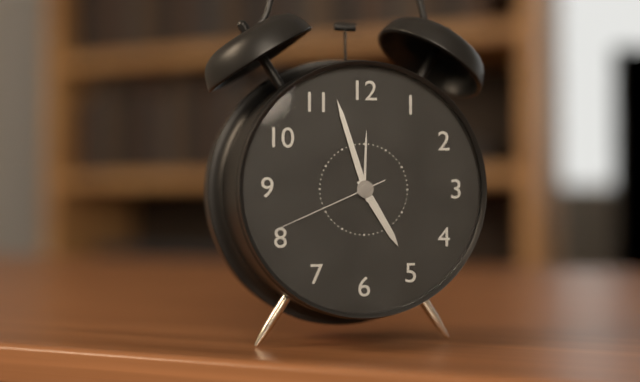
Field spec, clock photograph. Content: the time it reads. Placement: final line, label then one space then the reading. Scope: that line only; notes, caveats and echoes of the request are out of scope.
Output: 4:57:41
